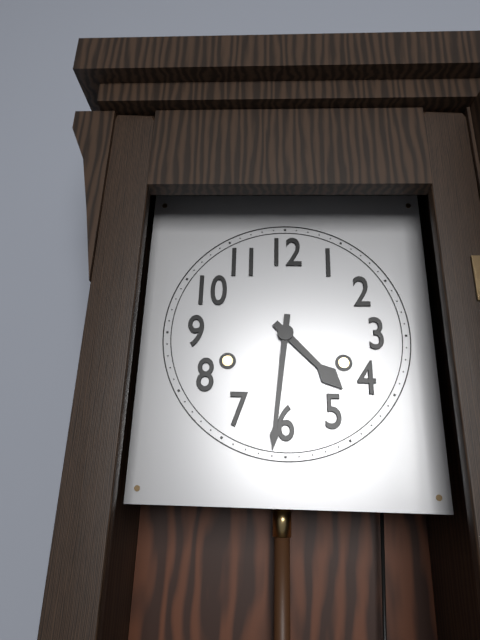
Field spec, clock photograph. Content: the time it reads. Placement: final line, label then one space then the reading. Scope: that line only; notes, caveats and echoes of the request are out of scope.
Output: 4:31
